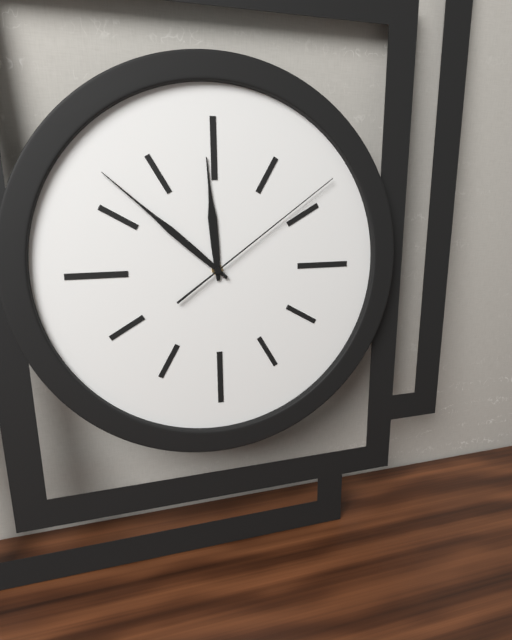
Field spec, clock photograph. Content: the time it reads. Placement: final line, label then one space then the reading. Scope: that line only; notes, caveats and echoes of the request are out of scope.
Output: 11:52:09
